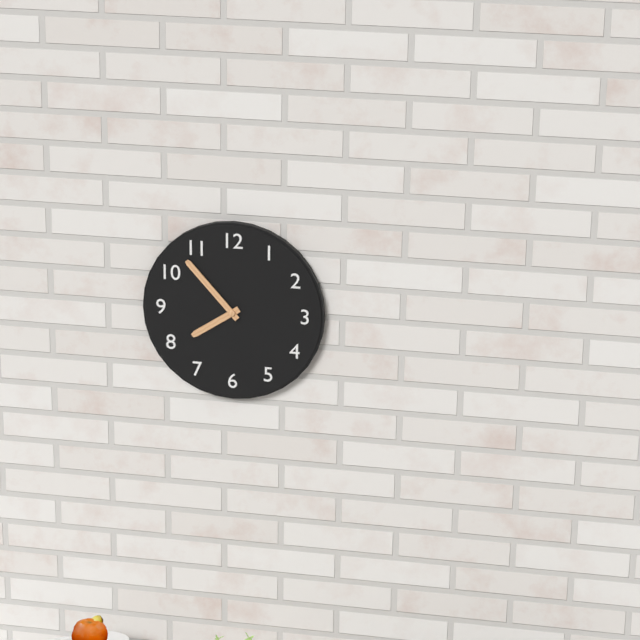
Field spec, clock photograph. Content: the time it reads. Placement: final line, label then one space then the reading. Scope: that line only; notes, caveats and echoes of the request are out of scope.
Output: 7:53
